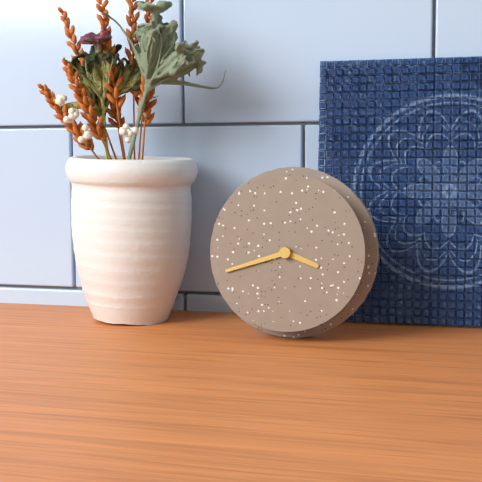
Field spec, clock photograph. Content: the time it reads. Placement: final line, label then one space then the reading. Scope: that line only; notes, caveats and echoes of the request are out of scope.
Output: 3:42
